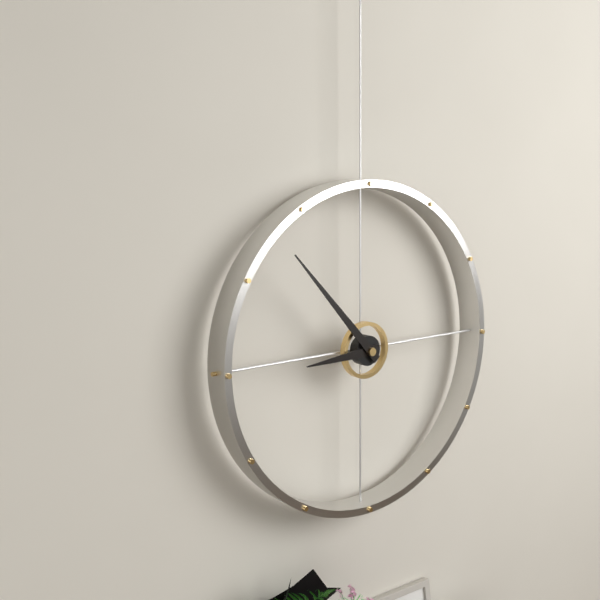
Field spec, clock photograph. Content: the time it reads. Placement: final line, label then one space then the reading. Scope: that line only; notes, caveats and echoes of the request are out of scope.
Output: 8:53
